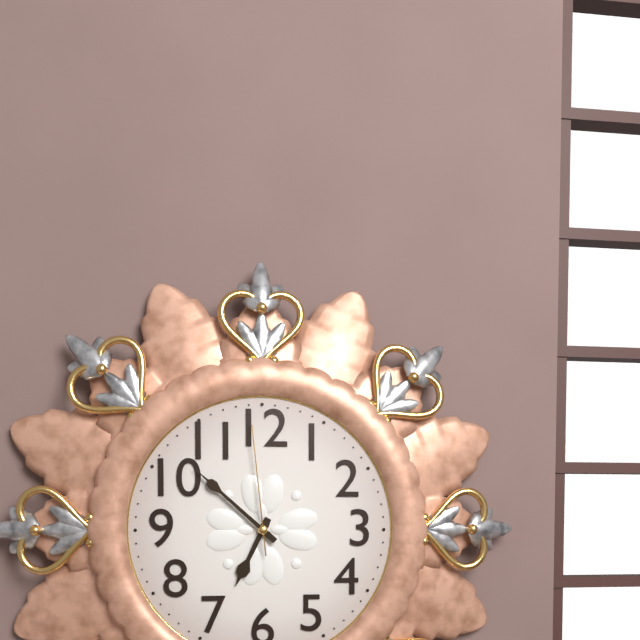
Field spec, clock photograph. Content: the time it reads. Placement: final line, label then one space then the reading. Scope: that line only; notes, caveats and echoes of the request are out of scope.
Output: 6:52:59
